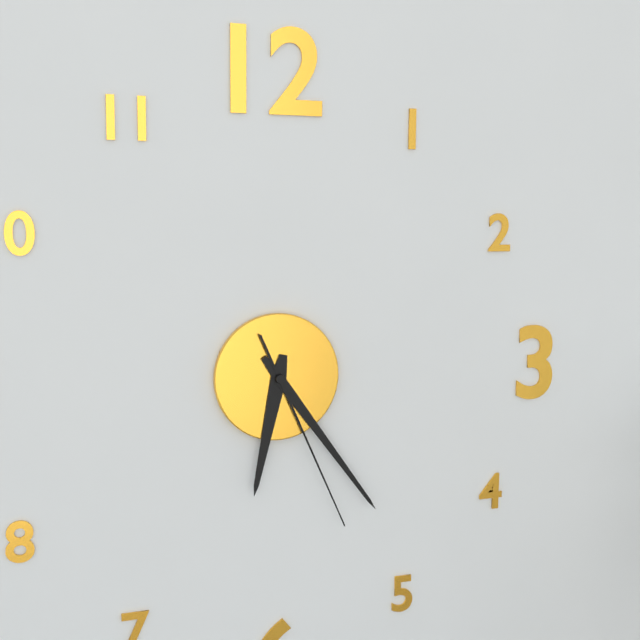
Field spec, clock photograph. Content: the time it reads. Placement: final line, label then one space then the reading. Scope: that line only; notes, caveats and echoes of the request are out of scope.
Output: 6:24:26
